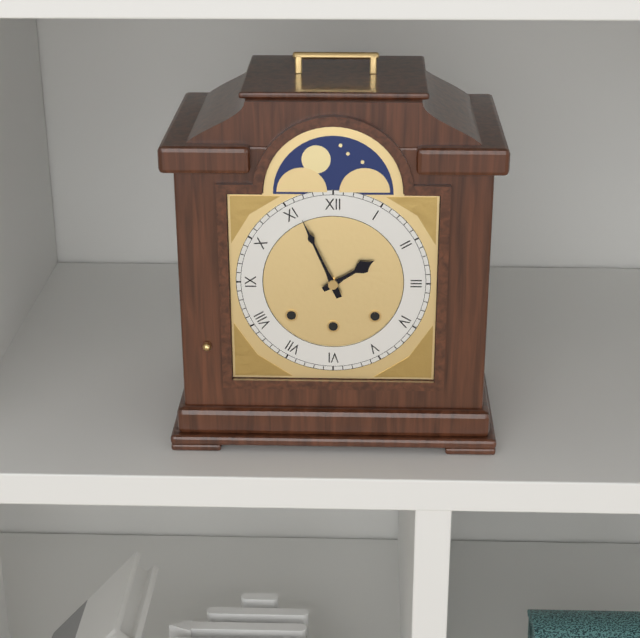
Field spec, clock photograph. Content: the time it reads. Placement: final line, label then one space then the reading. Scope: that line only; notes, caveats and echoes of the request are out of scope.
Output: 1:56
